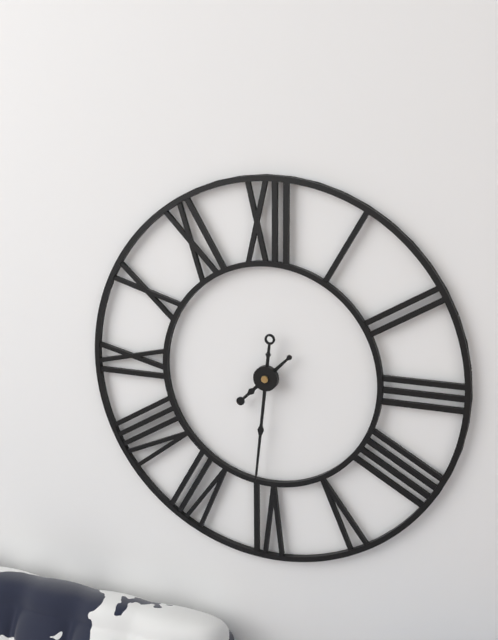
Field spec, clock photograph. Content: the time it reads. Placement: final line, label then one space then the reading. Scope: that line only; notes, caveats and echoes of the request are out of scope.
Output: 7:31
